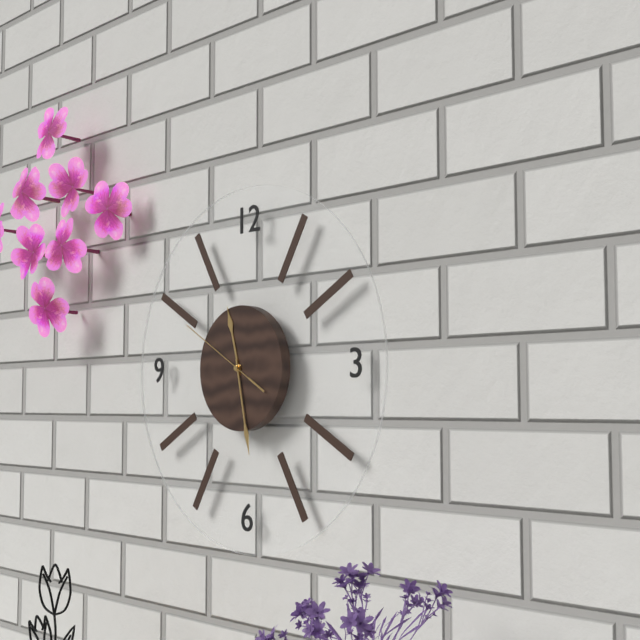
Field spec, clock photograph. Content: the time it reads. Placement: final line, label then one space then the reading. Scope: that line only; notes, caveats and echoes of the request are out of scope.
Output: 11:28:50
